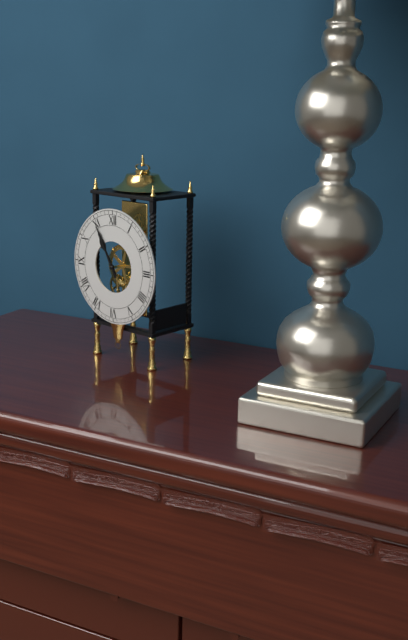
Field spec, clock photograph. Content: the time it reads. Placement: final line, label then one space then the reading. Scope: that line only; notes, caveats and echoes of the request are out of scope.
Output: 10:55
